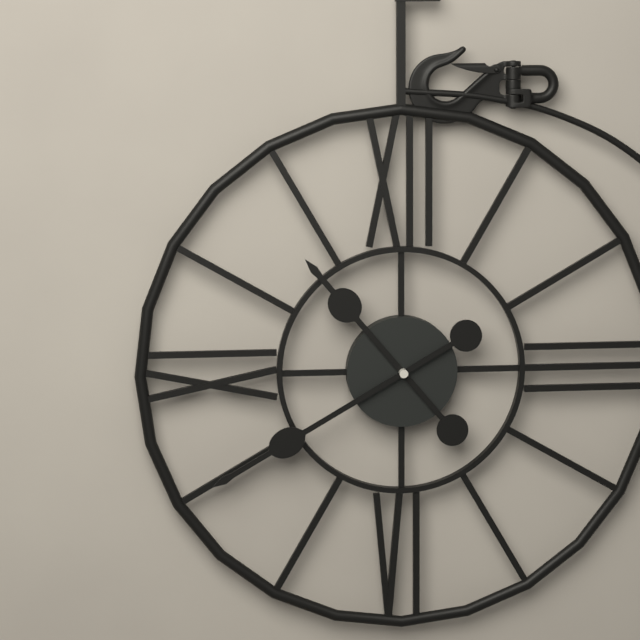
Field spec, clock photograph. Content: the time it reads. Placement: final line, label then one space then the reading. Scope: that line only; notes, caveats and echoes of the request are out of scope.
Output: 10:40
